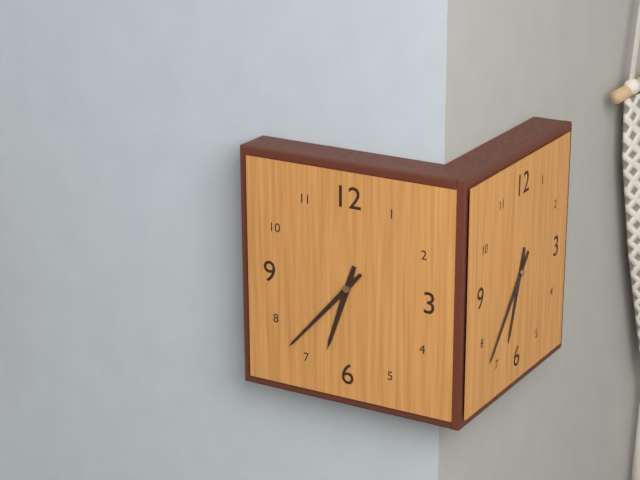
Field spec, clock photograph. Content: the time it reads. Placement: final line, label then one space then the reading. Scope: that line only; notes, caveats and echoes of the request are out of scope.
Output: 6:37
